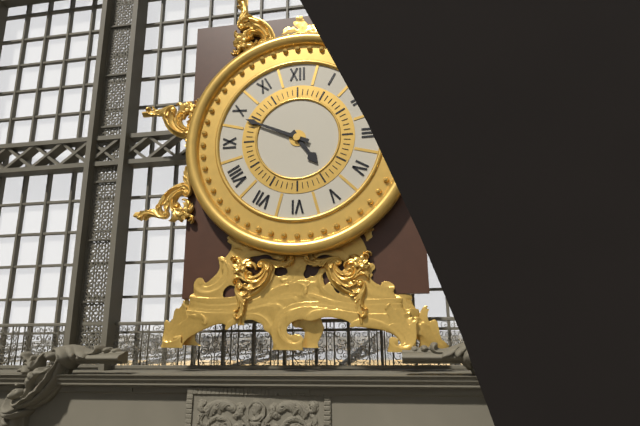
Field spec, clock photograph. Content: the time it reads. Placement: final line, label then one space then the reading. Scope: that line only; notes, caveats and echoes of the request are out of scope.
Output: 4:49
